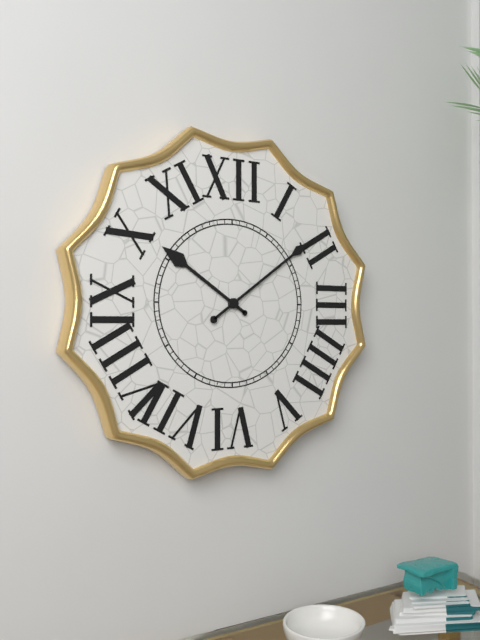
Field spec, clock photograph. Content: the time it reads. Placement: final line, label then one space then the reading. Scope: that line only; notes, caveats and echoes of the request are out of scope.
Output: 10:09
